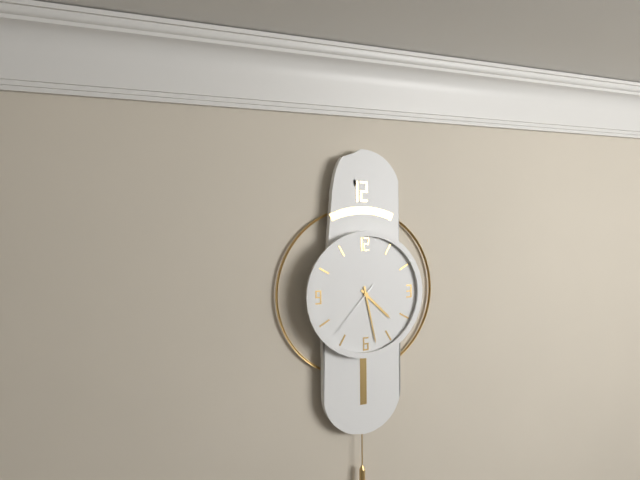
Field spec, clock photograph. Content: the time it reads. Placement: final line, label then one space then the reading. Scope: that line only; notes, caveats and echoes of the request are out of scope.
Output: 4:28:37
